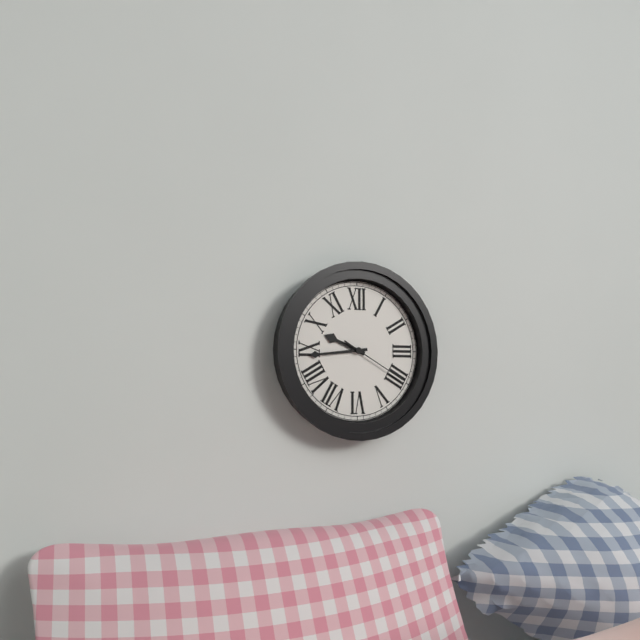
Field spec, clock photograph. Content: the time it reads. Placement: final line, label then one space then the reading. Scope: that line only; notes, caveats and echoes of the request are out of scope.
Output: 9:44:20
